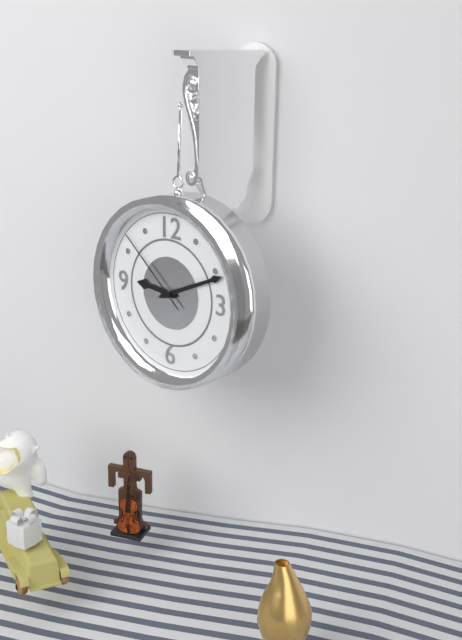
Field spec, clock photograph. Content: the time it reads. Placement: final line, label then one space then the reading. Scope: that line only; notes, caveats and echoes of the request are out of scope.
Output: 9:11:52
